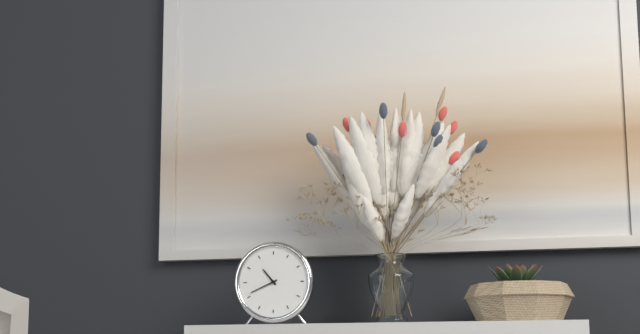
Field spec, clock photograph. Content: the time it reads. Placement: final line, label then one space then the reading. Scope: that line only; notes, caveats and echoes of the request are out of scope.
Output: 10:41
